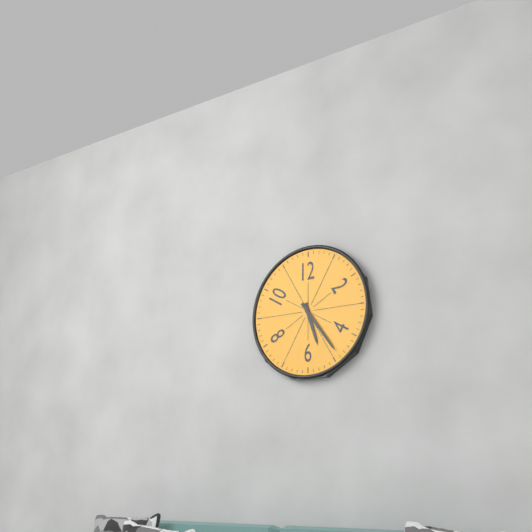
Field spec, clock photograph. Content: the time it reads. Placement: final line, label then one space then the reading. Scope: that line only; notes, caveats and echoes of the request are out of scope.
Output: 5:24
